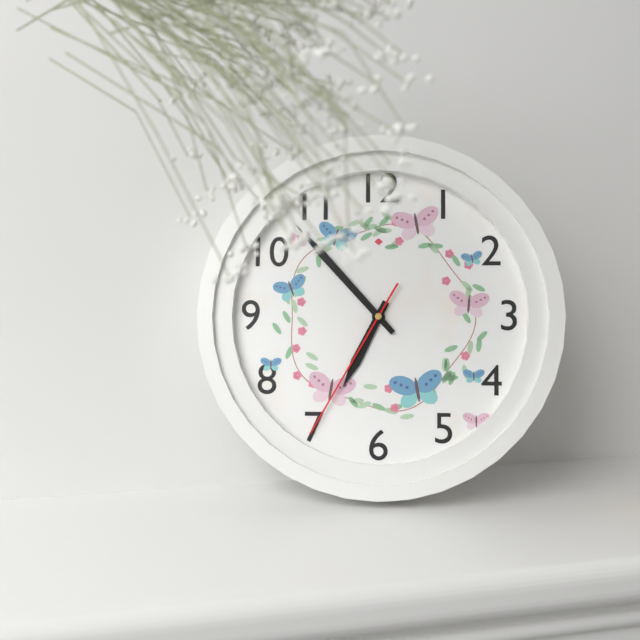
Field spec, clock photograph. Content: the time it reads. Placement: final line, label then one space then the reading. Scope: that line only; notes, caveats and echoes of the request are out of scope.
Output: 6:53:35
